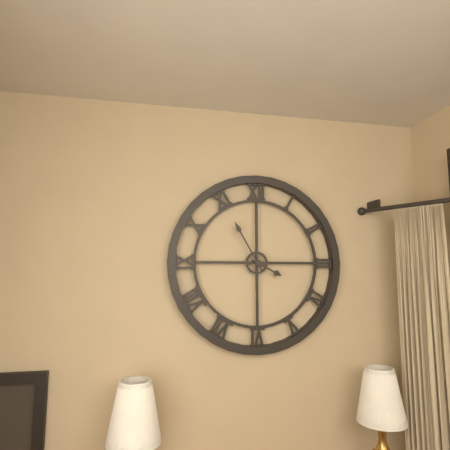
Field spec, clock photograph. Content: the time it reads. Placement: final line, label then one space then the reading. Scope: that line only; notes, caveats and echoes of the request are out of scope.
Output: 3:55
